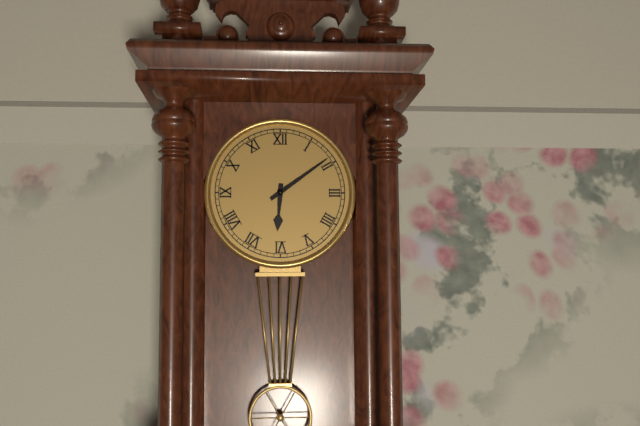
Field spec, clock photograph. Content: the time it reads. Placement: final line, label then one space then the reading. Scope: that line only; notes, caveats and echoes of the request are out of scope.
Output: 6:09
